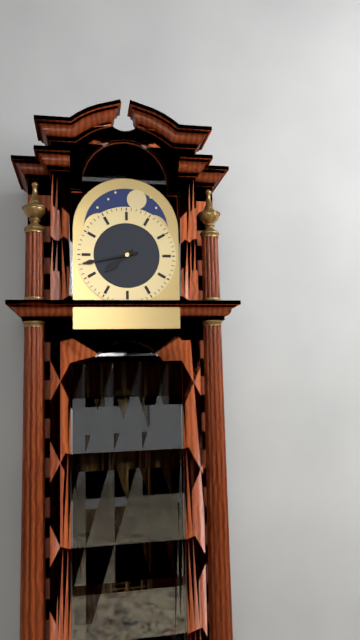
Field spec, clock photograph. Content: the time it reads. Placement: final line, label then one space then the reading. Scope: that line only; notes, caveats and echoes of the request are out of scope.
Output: 7:43
